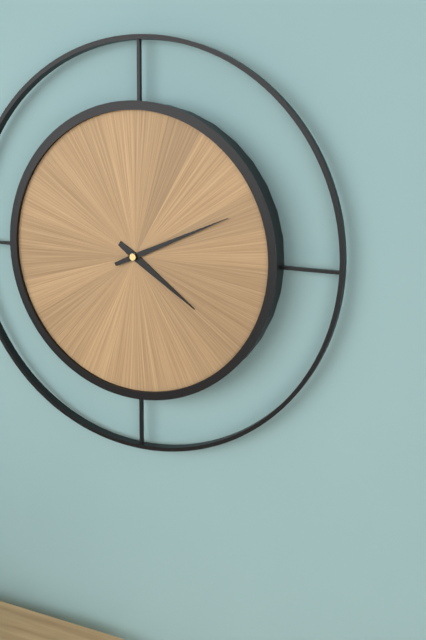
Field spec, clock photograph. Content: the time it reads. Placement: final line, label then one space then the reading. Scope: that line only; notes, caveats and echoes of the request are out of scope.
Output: 4:11
